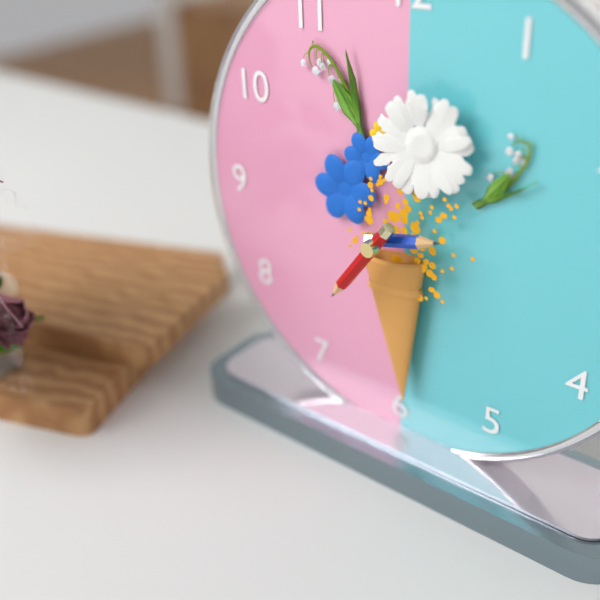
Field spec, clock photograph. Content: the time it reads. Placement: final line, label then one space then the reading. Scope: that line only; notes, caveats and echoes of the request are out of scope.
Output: 2:36
